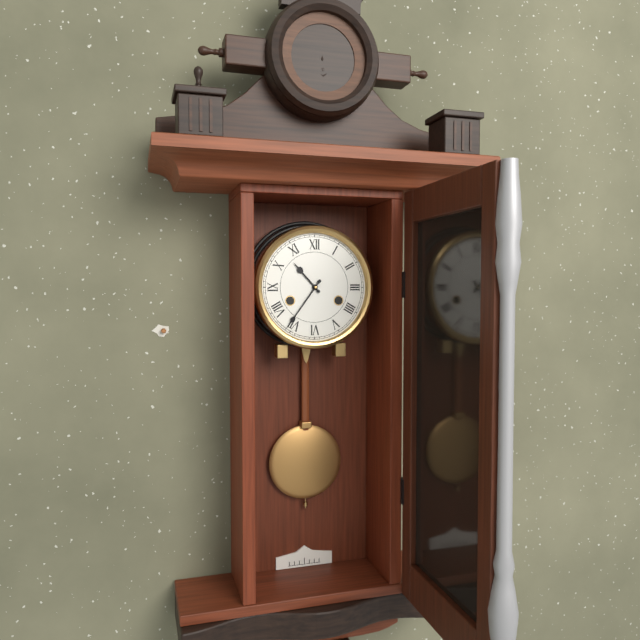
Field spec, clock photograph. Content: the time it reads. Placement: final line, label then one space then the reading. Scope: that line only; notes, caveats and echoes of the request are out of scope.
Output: 10:36
